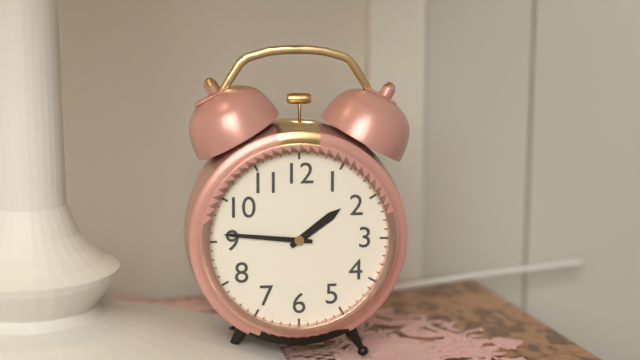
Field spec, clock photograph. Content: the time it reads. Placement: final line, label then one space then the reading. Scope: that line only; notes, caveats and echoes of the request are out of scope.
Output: 1:46
